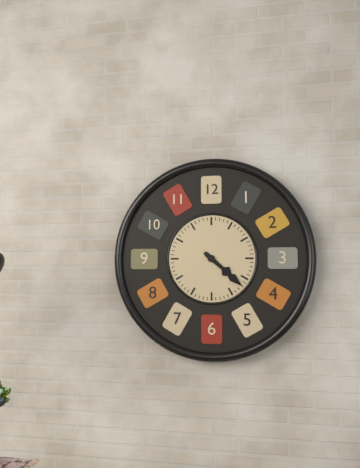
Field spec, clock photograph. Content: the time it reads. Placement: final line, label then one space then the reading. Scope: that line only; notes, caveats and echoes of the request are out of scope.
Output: 4:22
